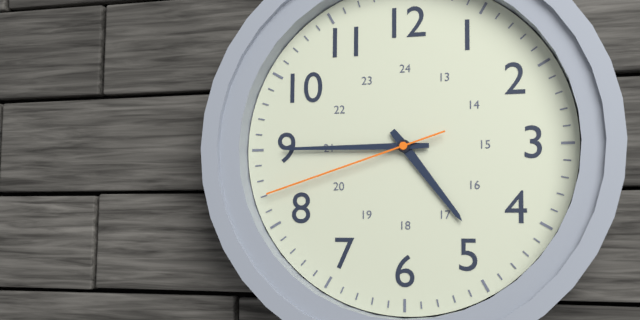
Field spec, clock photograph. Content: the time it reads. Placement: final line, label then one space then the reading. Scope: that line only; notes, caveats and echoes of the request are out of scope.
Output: 4:45:42
